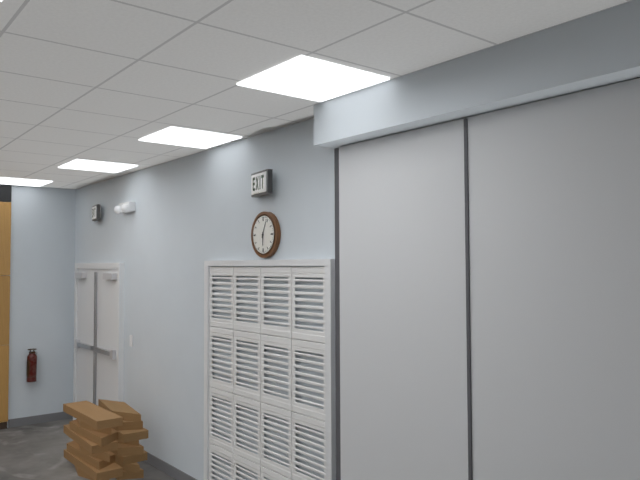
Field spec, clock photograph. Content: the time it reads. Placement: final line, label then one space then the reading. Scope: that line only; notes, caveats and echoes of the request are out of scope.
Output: 6:04
